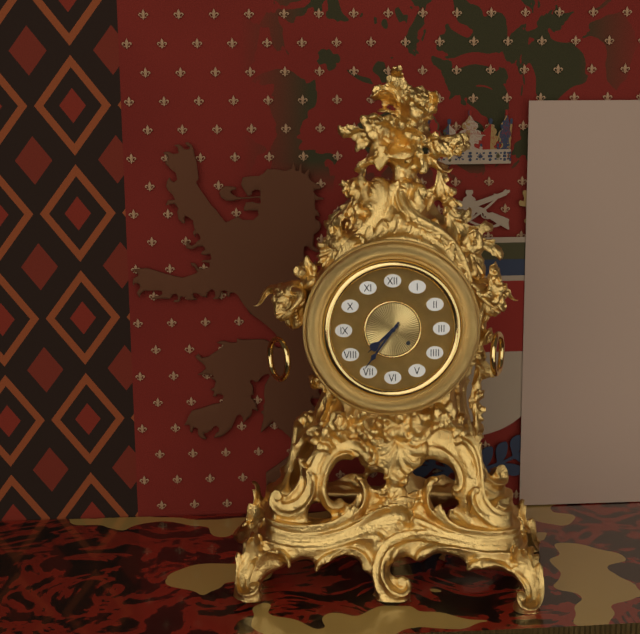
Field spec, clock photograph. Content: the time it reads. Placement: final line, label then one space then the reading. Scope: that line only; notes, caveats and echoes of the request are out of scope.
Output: 7:36
